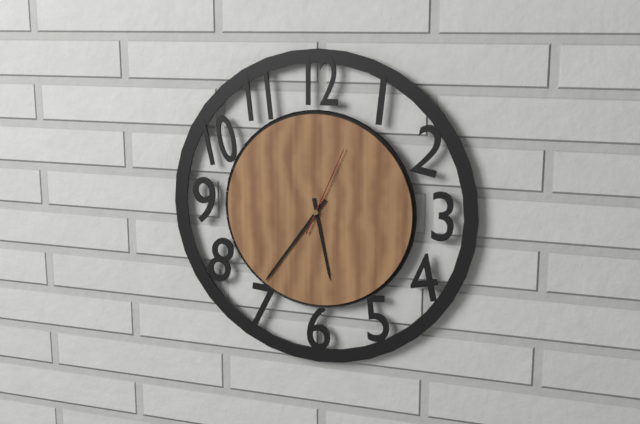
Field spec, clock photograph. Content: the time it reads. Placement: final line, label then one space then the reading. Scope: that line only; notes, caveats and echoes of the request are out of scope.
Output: 5:36:04
